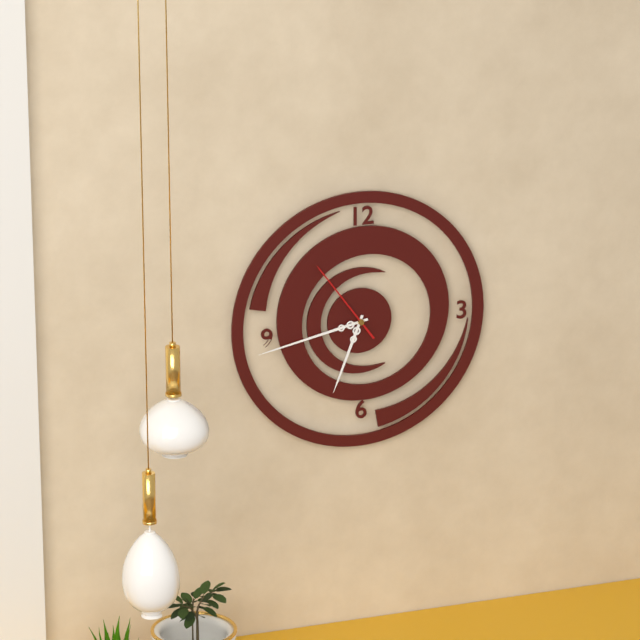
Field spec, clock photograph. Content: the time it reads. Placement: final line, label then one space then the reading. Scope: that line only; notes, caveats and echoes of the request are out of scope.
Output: 6:43:54
